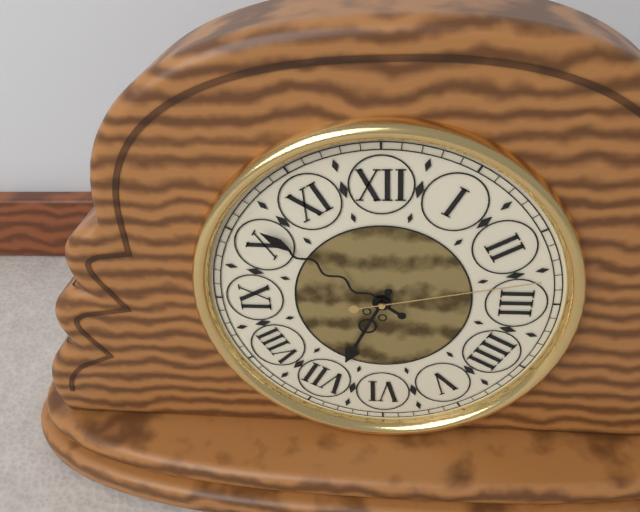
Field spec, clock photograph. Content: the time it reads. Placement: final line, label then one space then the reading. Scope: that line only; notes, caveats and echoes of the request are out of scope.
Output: 6:51:13
